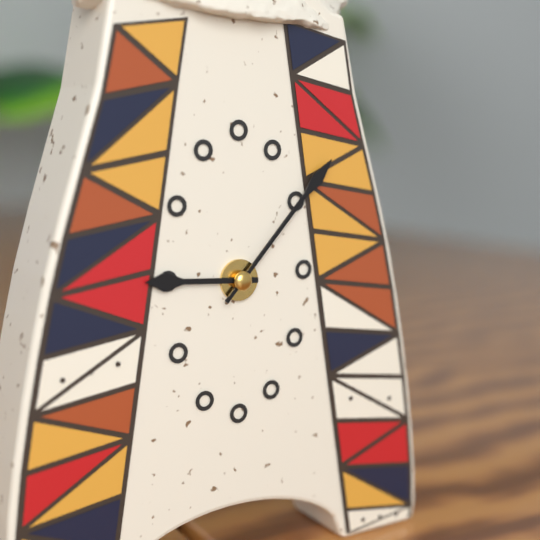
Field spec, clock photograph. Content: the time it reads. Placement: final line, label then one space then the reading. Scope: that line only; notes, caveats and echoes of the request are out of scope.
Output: 9:07
